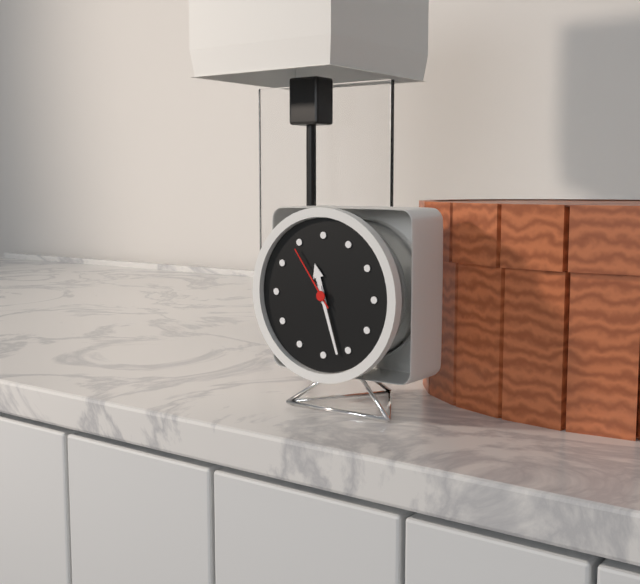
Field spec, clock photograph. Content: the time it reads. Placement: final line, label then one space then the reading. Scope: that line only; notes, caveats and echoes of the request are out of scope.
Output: 11:27:54
